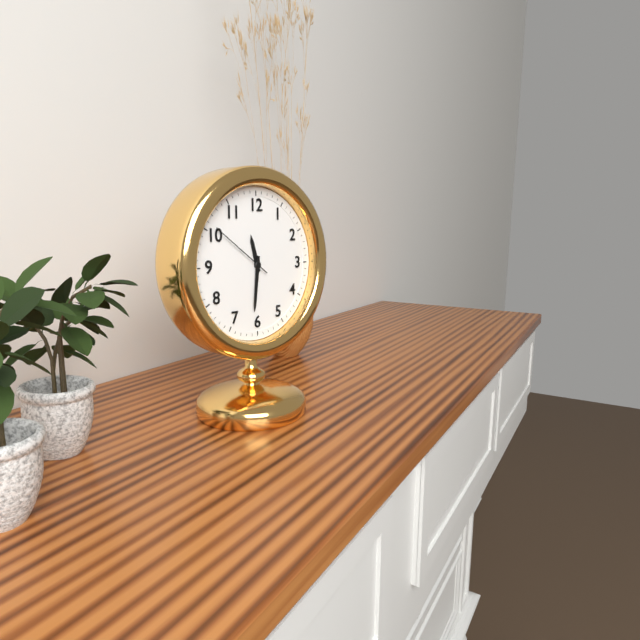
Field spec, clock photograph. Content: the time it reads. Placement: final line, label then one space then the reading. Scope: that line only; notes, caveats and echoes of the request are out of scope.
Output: 11:31:51
